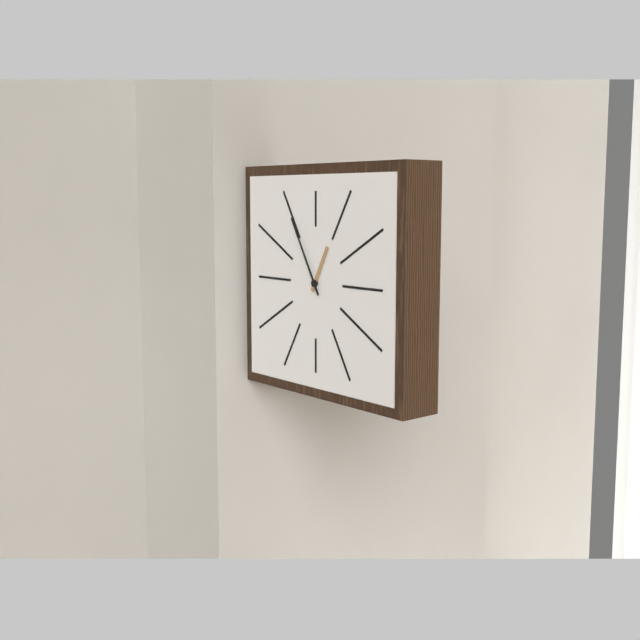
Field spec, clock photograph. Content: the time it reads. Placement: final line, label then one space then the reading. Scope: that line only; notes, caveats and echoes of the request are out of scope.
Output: 12:55
